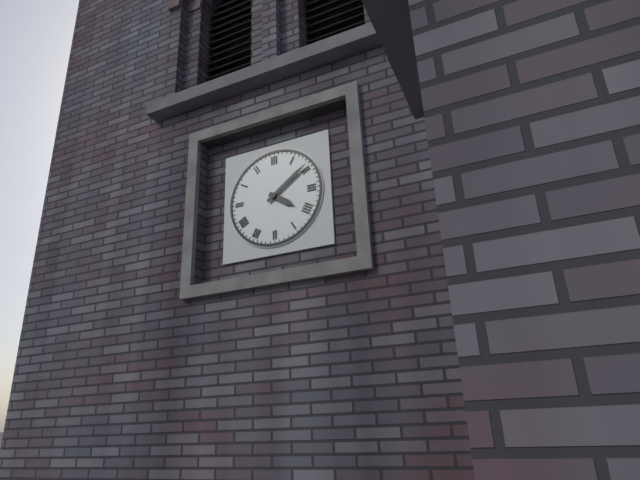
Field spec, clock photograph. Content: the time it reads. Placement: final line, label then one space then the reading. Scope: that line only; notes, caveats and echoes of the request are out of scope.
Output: 4:09
